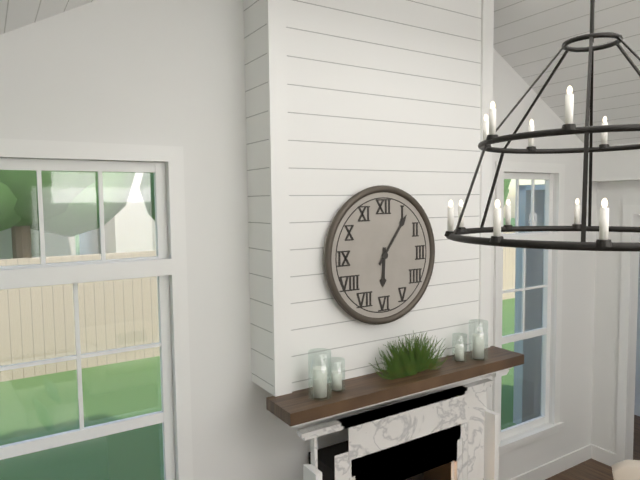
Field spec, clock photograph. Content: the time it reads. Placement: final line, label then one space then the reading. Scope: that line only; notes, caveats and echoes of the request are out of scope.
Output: 6:06
